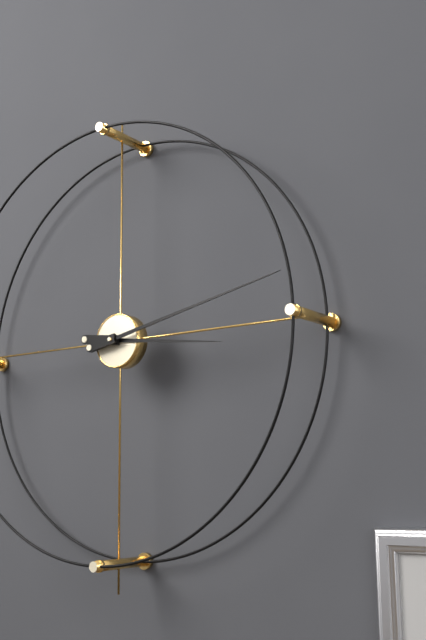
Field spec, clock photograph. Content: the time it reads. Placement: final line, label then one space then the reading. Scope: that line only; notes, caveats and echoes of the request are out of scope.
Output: 3:13
